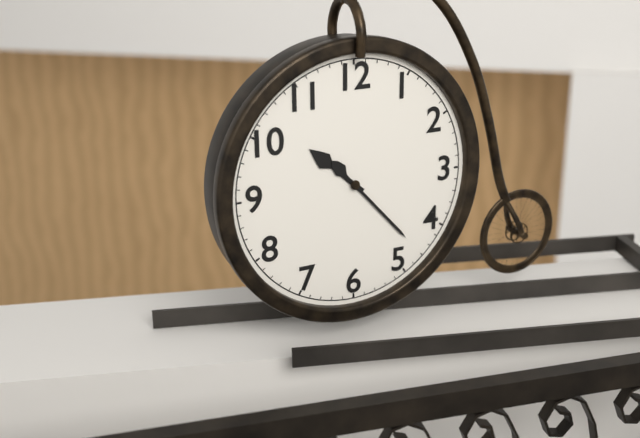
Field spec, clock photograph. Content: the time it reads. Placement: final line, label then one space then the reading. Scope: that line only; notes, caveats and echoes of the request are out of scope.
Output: 10:23
